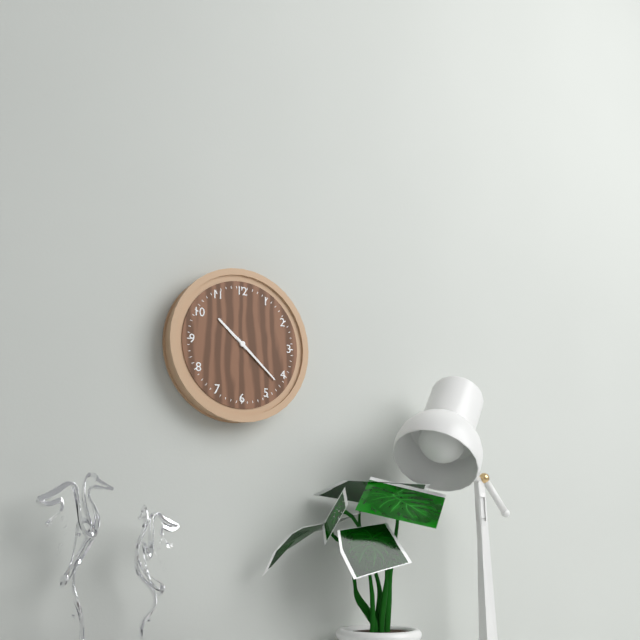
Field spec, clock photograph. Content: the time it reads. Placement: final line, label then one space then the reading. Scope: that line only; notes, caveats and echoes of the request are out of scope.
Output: 10:22
